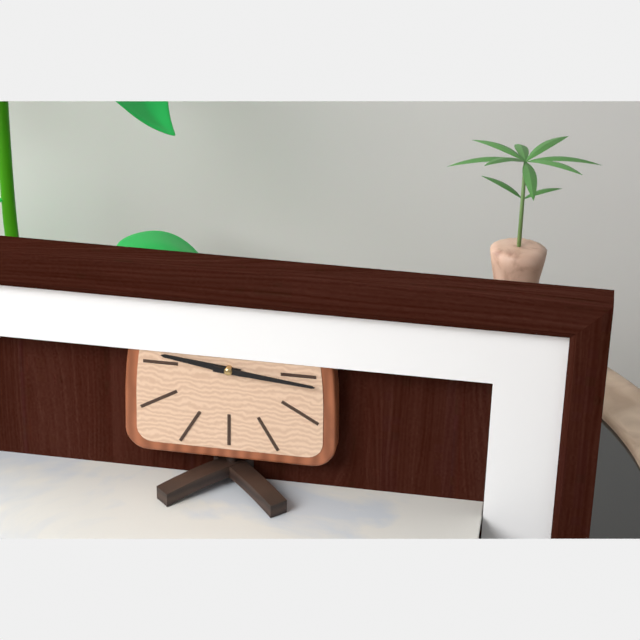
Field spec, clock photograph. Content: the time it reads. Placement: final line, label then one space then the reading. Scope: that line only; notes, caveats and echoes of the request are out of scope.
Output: 9:16
